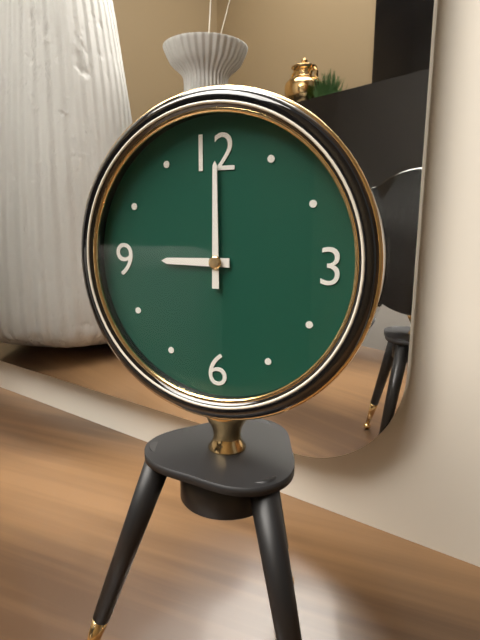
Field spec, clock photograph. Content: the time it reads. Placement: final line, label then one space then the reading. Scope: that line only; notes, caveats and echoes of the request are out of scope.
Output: 9:00
